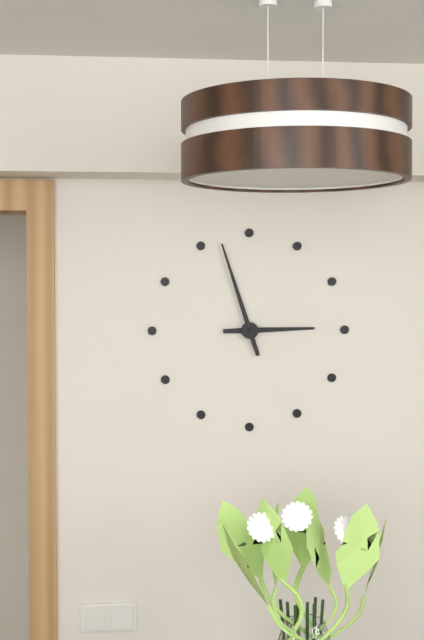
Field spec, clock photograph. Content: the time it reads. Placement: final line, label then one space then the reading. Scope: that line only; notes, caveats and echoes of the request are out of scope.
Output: 2:57
